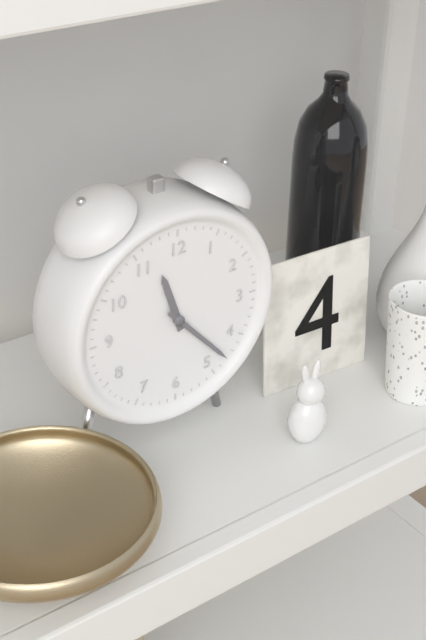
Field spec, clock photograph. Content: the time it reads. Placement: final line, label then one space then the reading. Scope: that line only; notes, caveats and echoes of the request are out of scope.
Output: 11:23
